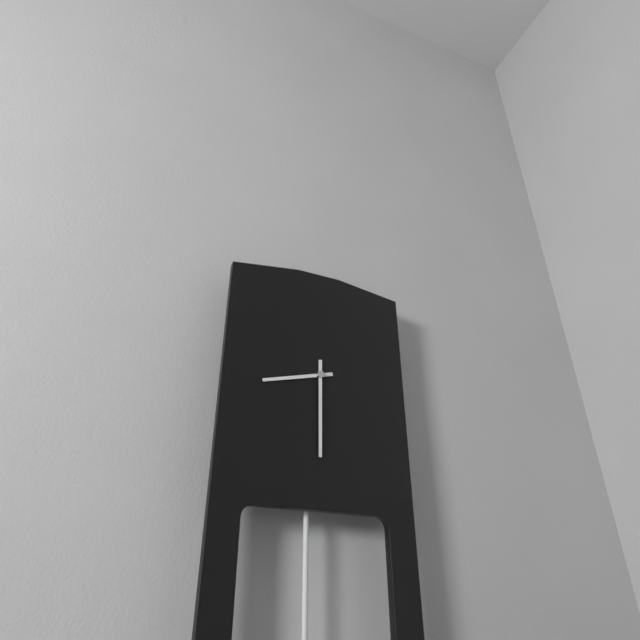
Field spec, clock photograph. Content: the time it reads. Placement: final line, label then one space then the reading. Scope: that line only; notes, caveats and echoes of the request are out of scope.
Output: 8:30
